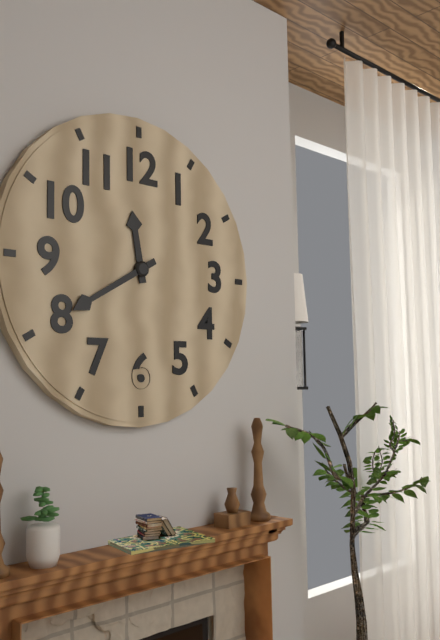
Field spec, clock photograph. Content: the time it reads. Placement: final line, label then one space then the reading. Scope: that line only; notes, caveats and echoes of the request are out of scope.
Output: 11:40
